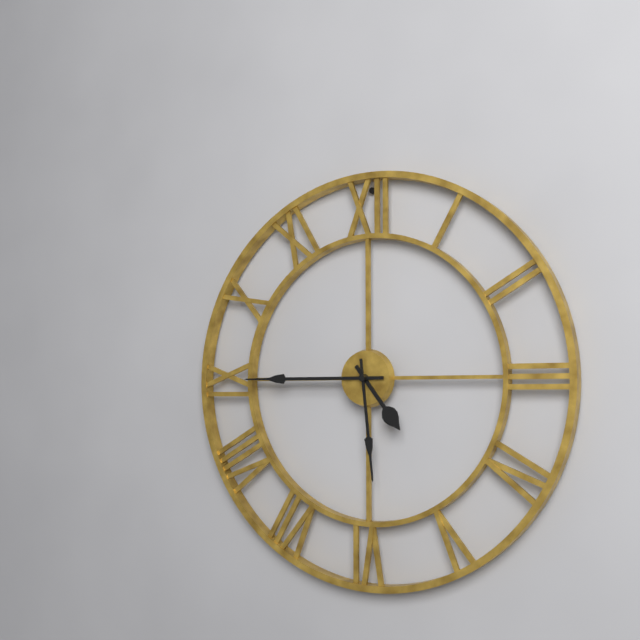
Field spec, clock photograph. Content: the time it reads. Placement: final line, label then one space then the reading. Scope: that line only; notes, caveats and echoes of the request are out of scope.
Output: 4:45:29
